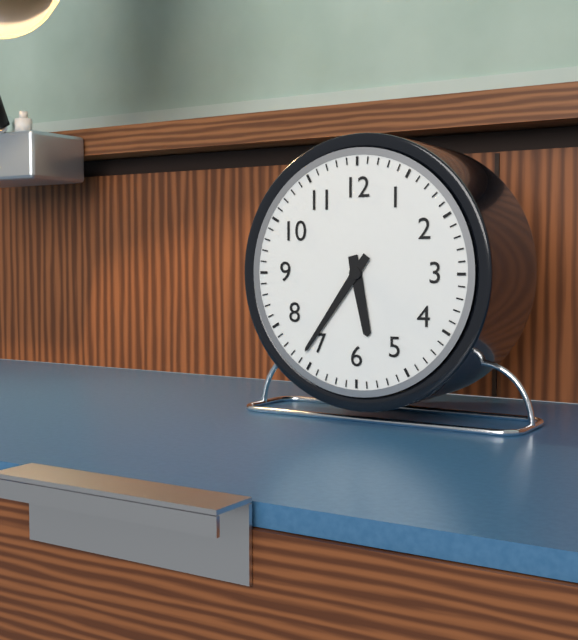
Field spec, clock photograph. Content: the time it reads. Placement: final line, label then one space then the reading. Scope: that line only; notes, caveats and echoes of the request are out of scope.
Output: 5:36
